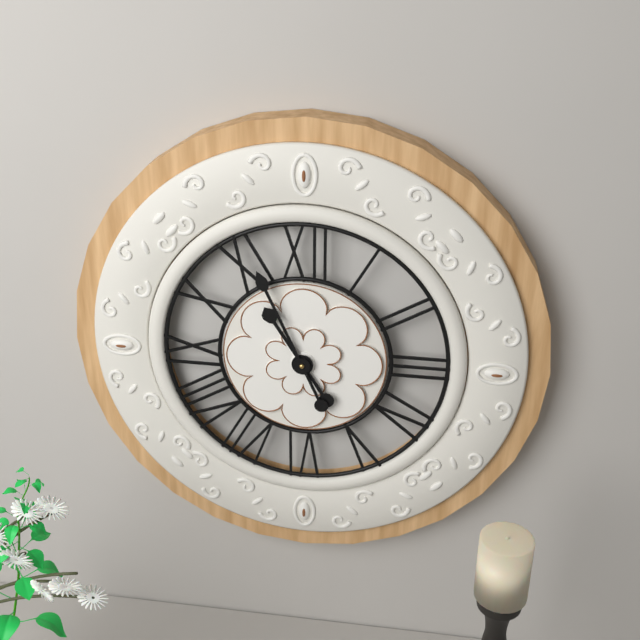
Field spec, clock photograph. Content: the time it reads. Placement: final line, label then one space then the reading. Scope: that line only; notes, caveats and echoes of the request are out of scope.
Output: 10:56
